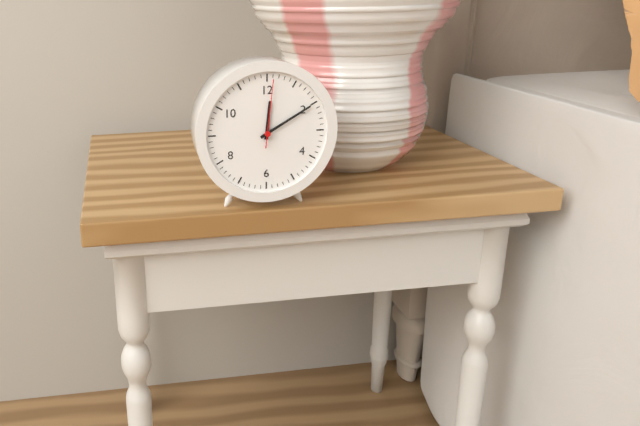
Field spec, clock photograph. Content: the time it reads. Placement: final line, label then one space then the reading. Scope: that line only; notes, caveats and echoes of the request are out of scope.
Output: 12:10:01
